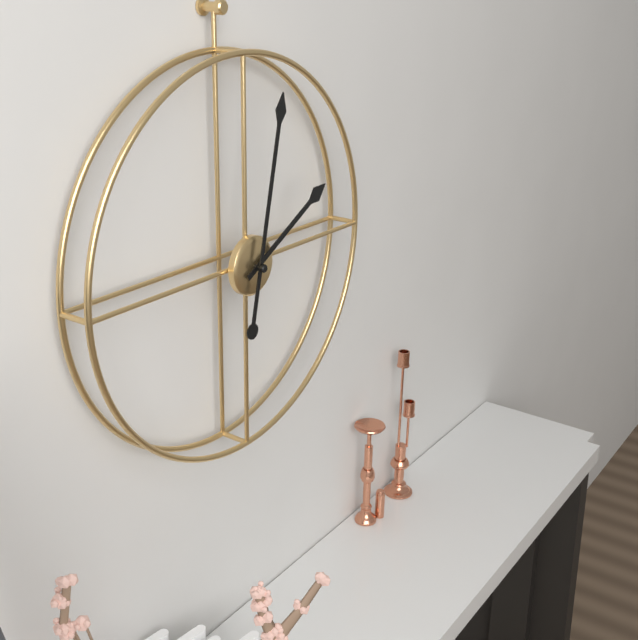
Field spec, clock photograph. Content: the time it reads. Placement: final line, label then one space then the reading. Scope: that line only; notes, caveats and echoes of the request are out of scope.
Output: 2:02
